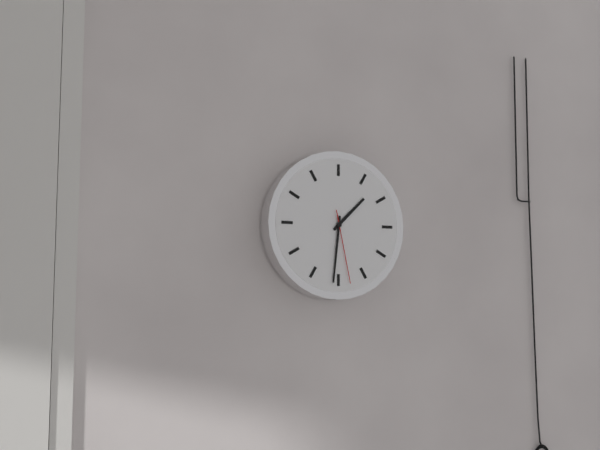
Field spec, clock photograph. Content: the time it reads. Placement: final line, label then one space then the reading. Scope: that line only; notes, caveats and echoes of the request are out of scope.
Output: 1:31:28
